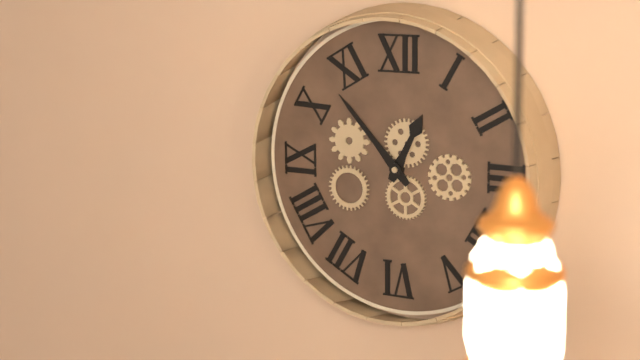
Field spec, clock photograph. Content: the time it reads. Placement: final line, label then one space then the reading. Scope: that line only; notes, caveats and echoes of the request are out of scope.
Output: 12:53
